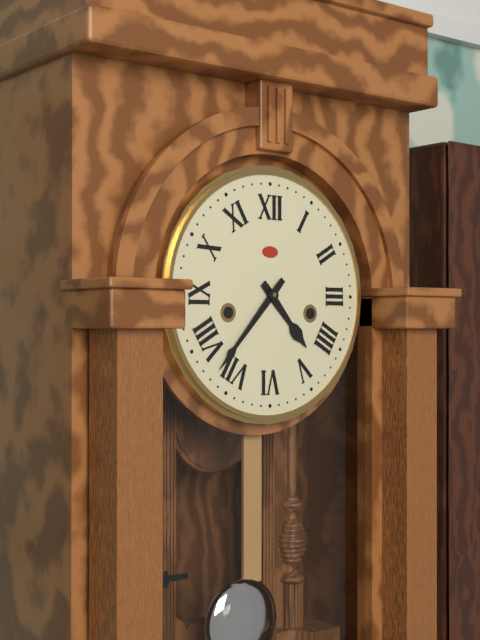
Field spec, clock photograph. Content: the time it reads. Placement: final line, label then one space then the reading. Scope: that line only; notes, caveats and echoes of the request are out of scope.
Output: 4:37
